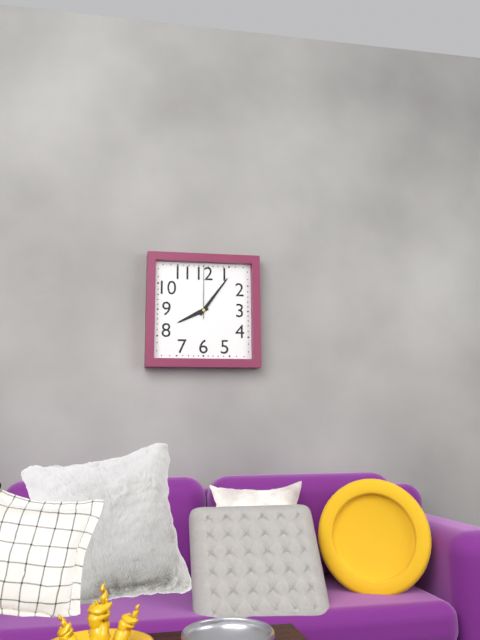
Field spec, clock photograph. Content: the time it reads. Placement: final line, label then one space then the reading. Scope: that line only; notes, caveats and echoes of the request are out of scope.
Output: 8:06:00
